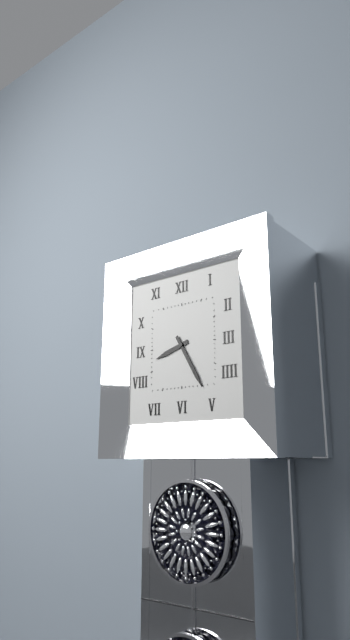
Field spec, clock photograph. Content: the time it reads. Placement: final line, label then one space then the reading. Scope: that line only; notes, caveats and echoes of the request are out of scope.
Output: 8:25
